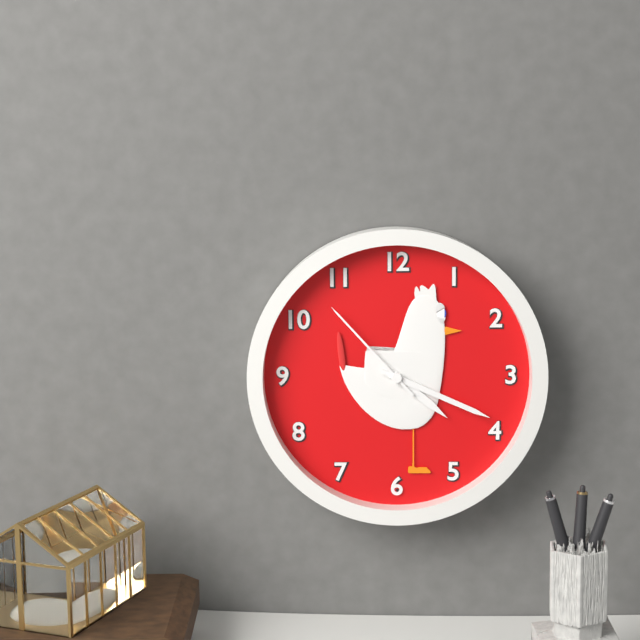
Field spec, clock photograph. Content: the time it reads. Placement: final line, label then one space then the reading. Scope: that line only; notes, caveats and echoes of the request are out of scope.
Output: 4:19:53
